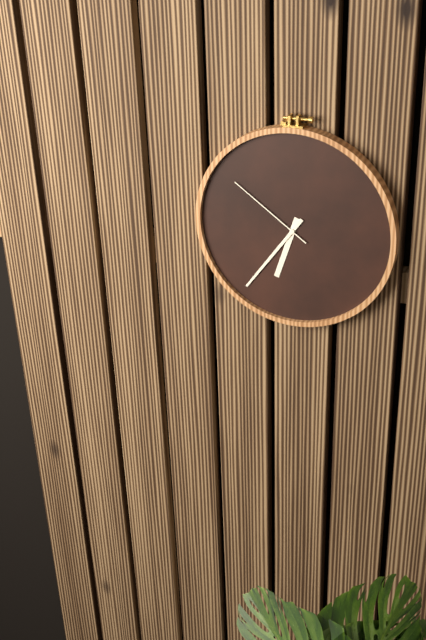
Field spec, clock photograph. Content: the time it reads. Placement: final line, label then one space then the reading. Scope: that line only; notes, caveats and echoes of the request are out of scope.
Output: 6:36:51
